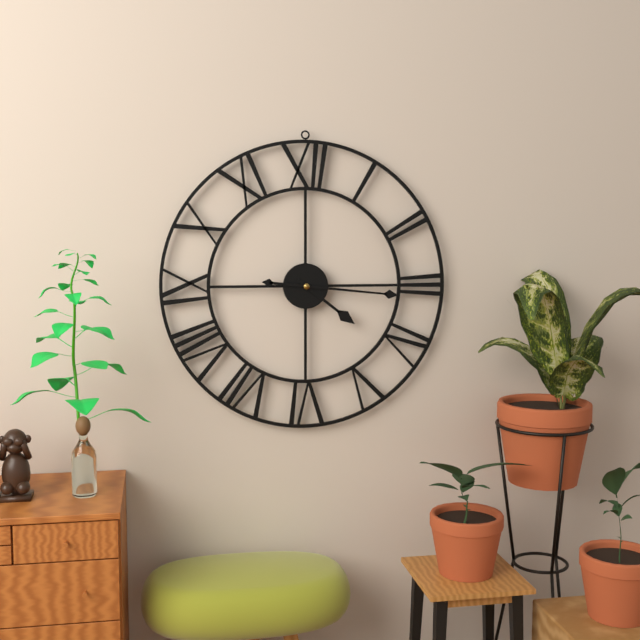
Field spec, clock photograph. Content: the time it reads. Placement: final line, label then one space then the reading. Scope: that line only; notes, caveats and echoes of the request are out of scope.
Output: 4:16
